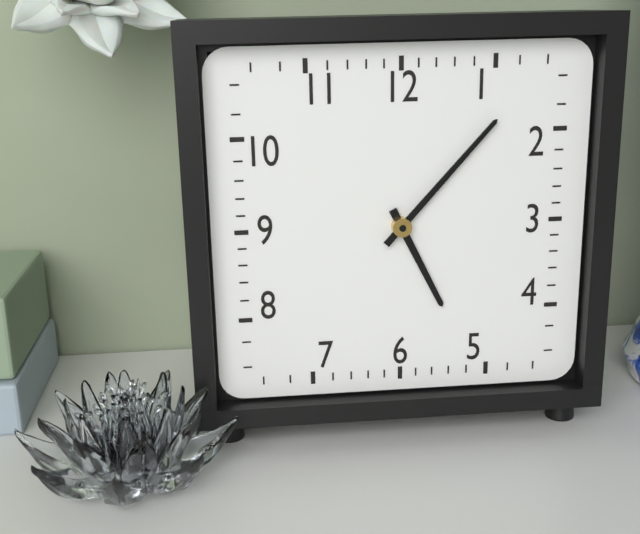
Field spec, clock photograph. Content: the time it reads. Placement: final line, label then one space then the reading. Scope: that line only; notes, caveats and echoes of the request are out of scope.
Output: 5:07
